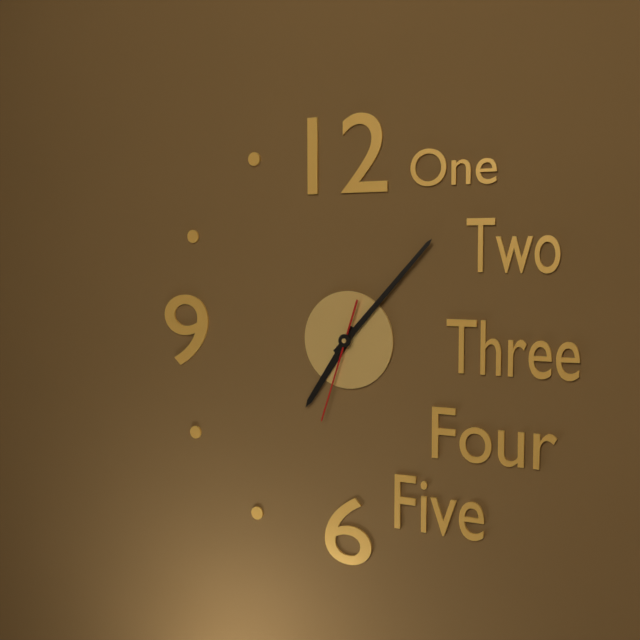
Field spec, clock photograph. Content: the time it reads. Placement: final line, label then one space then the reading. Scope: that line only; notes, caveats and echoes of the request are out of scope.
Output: 7:07:33
